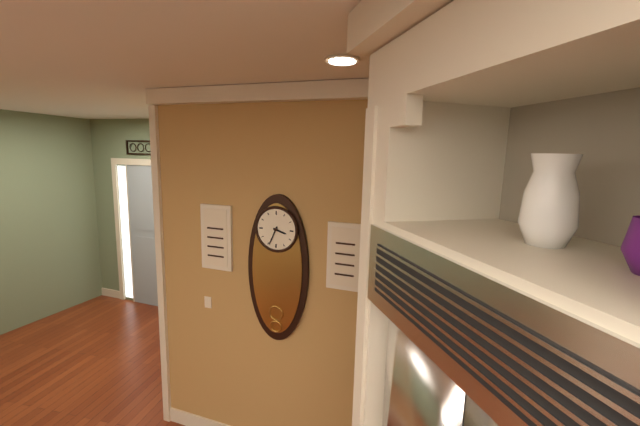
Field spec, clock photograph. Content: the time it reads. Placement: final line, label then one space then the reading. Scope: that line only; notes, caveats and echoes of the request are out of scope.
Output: 3:34
